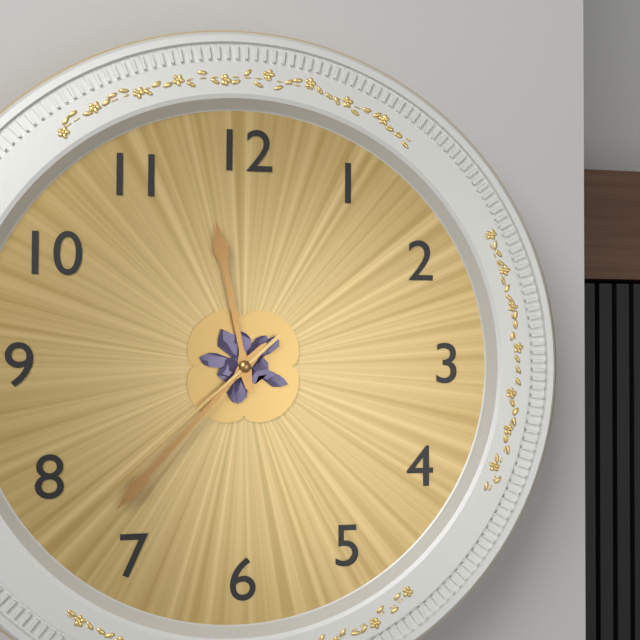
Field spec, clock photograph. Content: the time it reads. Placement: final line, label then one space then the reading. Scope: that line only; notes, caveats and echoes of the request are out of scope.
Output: 11:37:38
